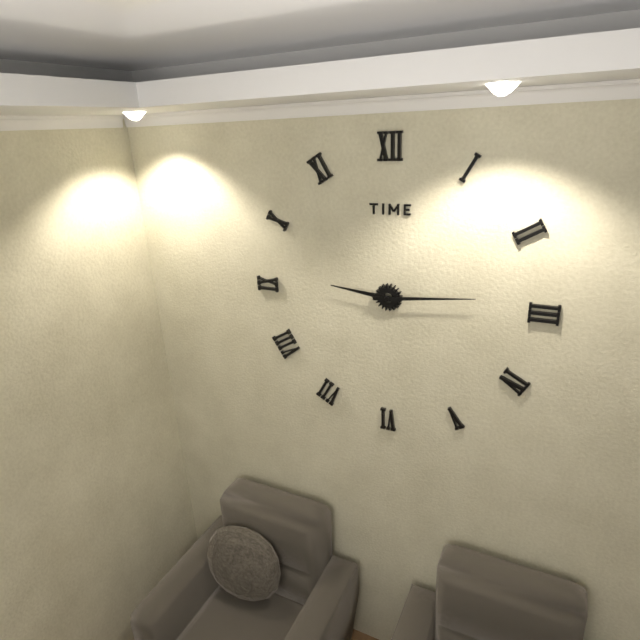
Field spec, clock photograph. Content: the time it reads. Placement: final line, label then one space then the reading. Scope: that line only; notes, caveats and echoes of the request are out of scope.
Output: 9:14
